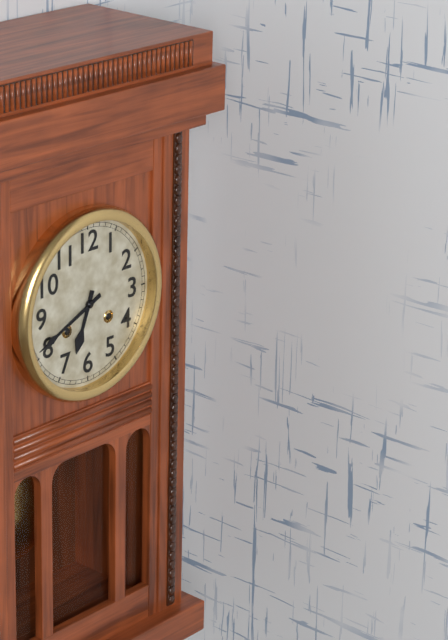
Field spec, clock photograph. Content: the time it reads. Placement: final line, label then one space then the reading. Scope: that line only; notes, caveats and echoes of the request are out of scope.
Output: 6:41
